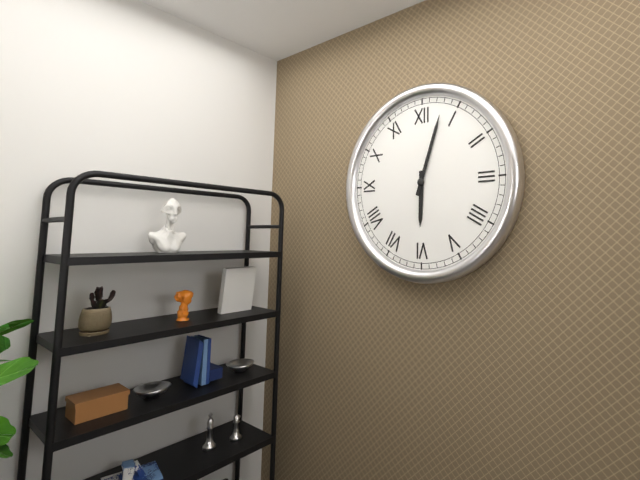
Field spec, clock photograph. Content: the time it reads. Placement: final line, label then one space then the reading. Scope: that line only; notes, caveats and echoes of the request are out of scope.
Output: 6:03
